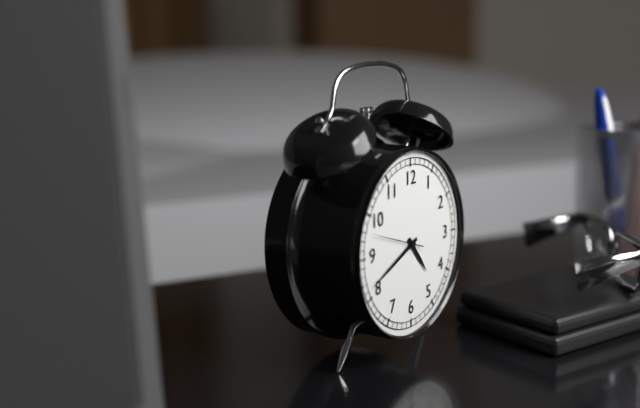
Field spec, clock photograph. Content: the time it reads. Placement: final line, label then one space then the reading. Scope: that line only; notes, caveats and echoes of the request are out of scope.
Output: 4:41:48
